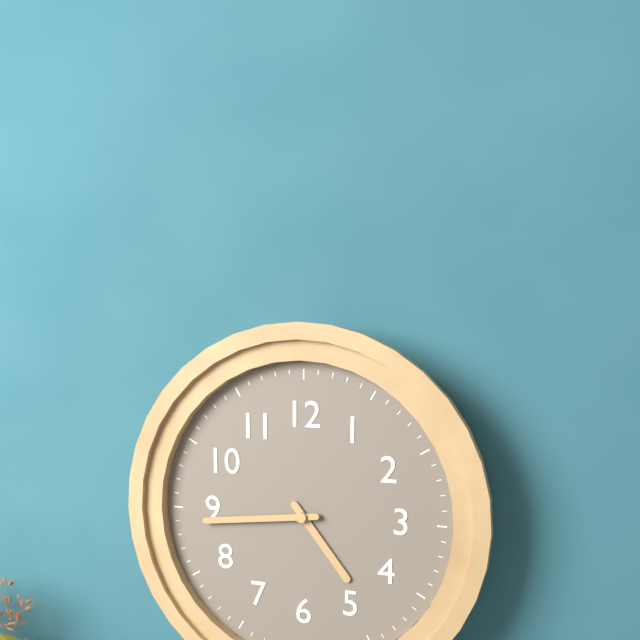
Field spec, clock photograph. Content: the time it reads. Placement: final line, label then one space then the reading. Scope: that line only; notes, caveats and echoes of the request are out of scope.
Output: 4:44
